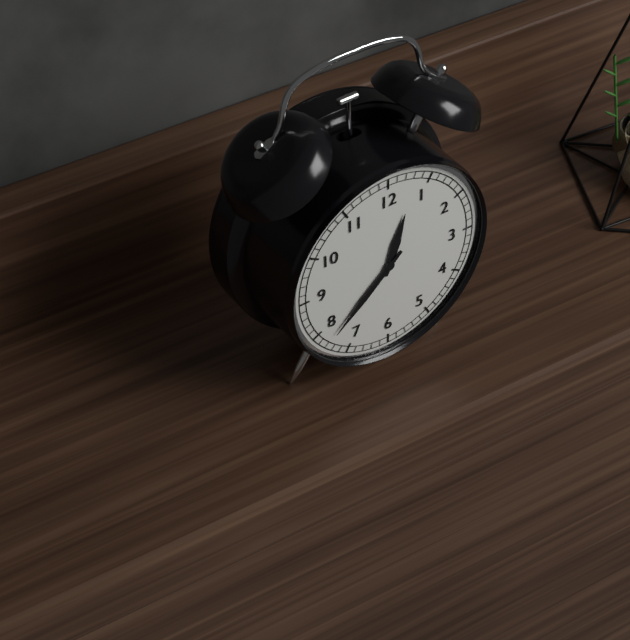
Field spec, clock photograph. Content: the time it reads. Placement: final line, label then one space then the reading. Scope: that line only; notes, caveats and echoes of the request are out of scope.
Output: 12:38
